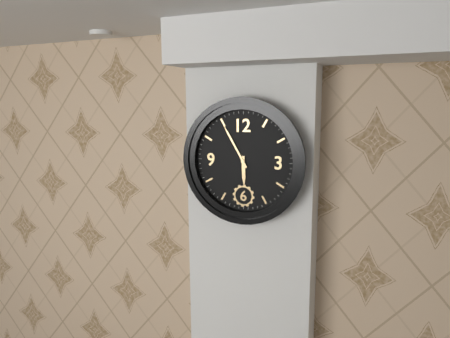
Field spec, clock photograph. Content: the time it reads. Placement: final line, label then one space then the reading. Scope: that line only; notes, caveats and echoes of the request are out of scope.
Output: 5:55
